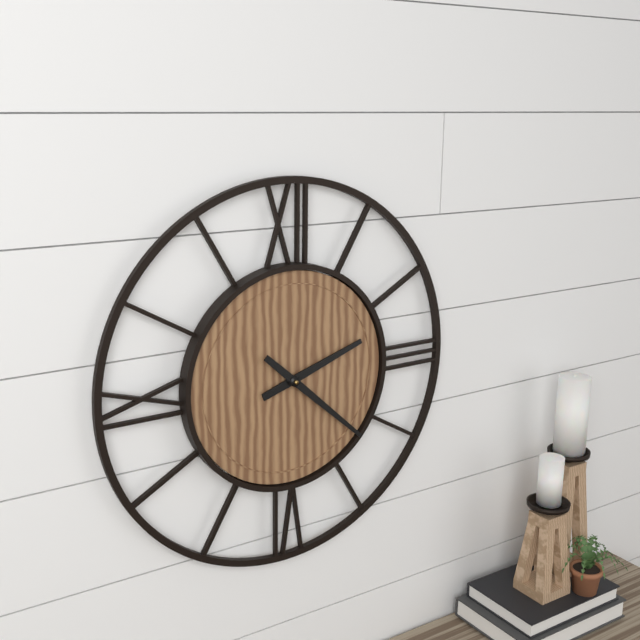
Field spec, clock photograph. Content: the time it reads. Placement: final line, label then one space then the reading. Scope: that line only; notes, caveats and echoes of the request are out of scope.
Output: 2:22
